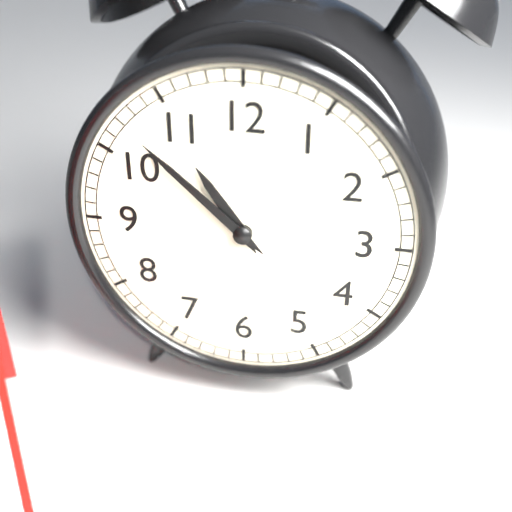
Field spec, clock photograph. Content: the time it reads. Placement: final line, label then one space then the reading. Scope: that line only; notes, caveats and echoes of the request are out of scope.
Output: 10:52
